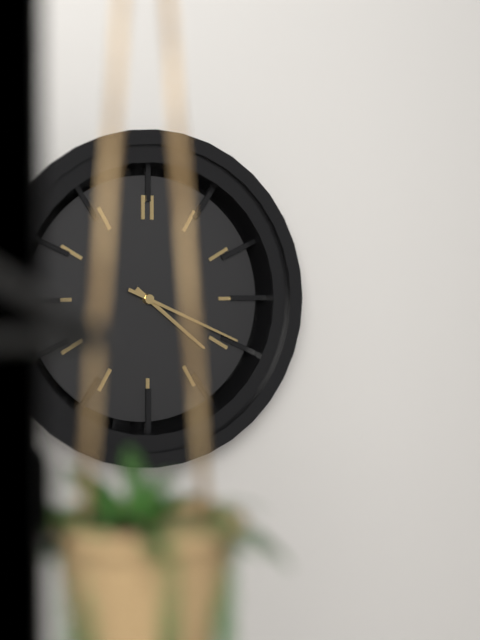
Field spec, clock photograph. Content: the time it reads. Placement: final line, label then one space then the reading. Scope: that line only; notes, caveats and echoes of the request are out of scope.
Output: 4:19
